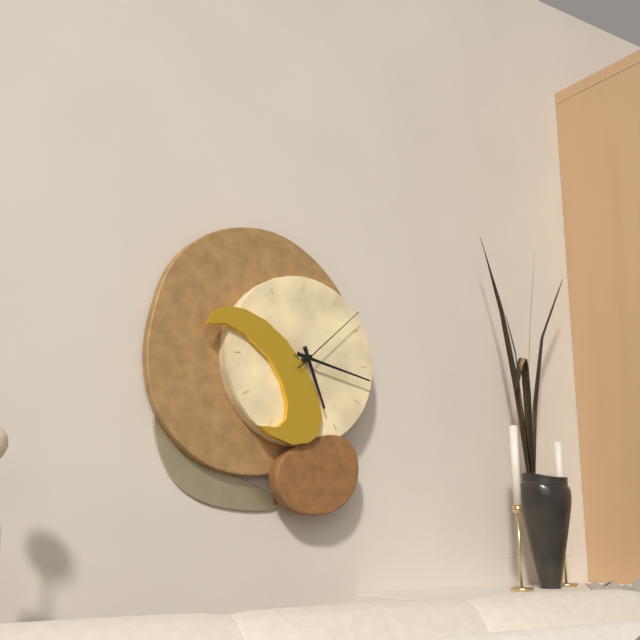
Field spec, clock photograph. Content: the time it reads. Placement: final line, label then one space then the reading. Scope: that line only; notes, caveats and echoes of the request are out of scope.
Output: 5:17:08
